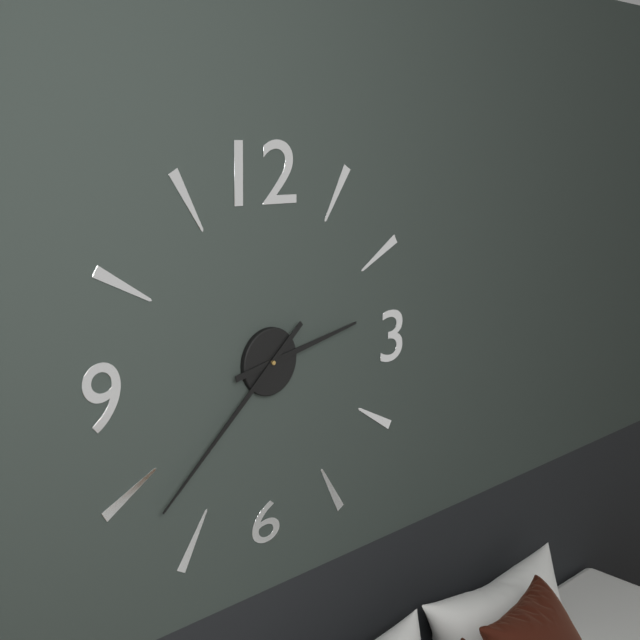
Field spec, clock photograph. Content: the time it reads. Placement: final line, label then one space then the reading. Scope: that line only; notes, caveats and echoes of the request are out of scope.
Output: 2:38
